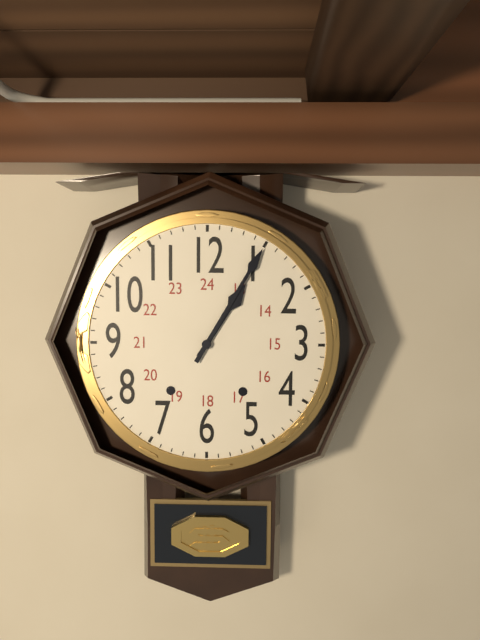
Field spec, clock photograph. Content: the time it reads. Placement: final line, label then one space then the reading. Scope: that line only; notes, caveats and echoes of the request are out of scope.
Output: 1:05
